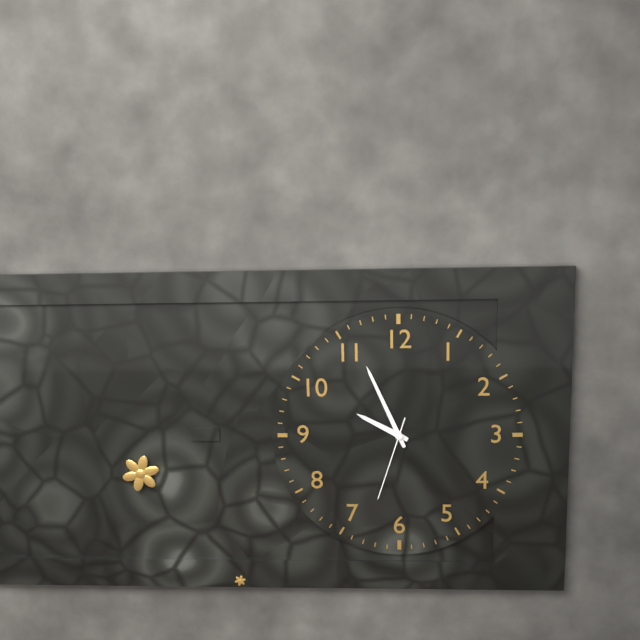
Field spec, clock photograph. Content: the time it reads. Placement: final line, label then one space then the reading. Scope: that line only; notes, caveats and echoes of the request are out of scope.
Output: 9:56:33
